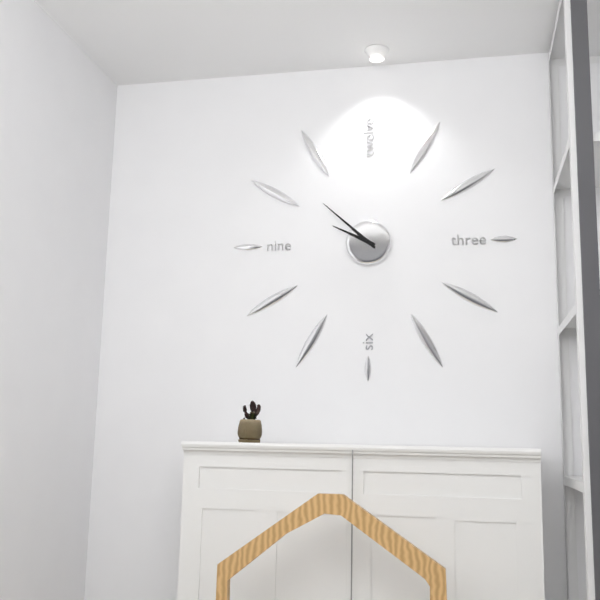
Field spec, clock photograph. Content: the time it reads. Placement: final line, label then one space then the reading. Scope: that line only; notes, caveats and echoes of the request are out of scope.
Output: 9:52
